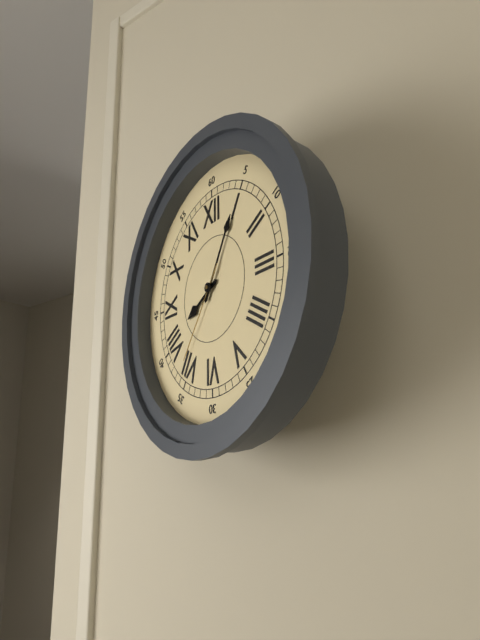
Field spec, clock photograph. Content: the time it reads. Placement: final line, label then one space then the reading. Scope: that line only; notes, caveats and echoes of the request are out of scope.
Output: 8:05:36
